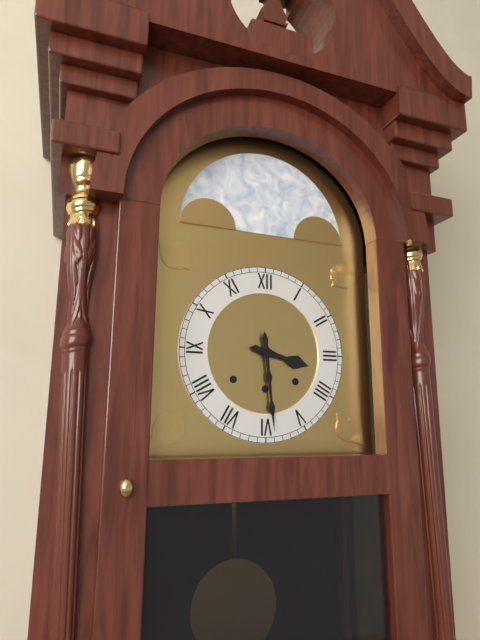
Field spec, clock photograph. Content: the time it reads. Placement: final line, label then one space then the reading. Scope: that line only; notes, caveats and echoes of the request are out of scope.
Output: 3:29
